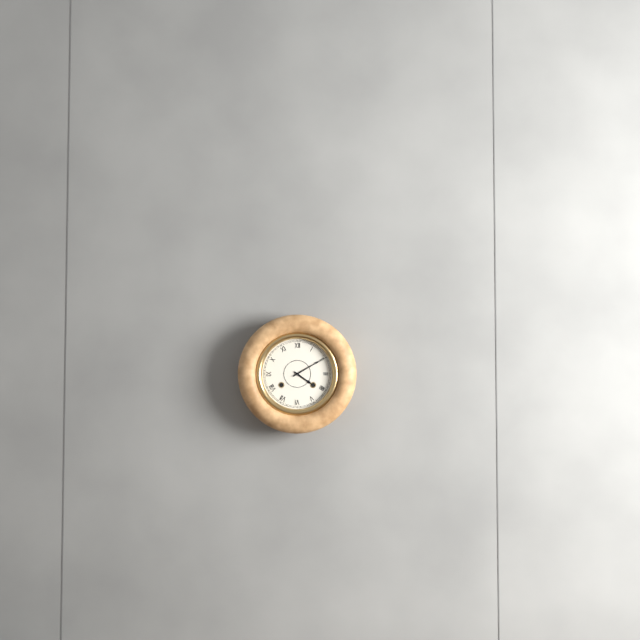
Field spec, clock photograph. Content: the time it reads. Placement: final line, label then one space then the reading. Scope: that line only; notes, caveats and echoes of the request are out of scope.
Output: 4:10
